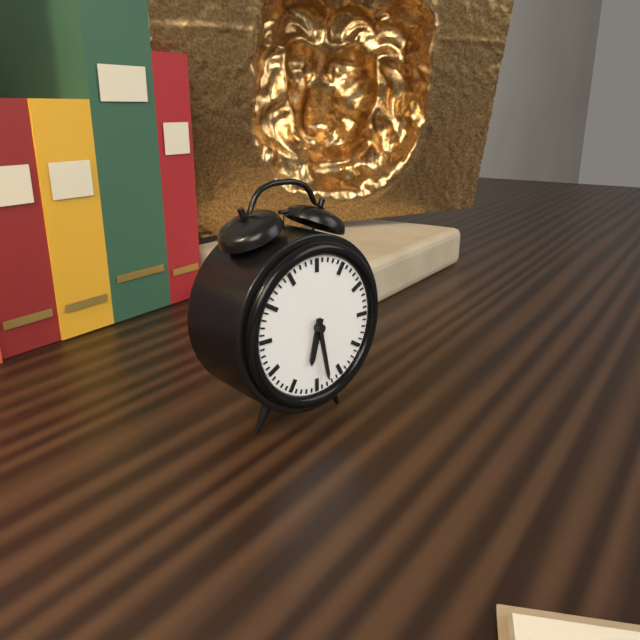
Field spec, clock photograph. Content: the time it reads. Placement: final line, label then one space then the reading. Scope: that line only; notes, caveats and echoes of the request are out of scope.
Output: 6:28
